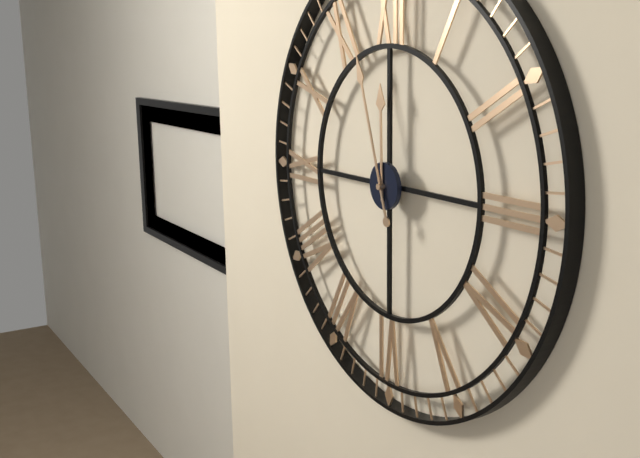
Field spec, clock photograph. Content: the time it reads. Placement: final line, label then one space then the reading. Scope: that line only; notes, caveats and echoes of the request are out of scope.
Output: 11:57
